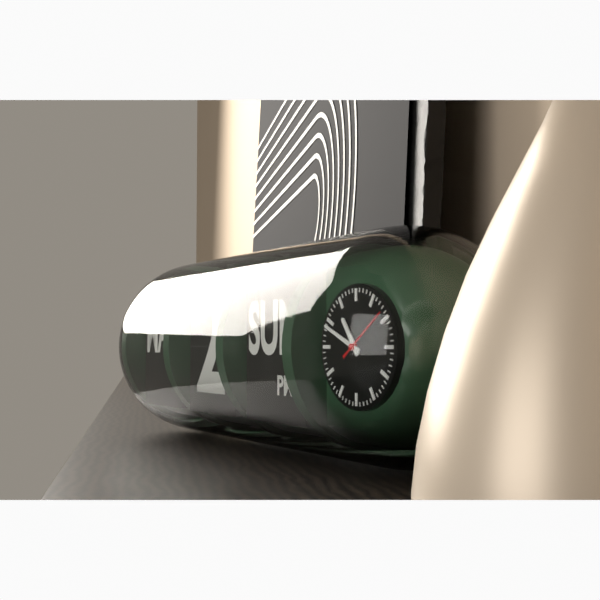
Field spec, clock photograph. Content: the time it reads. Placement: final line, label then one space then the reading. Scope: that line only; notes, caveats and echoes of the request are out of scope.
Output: 10:49:09
